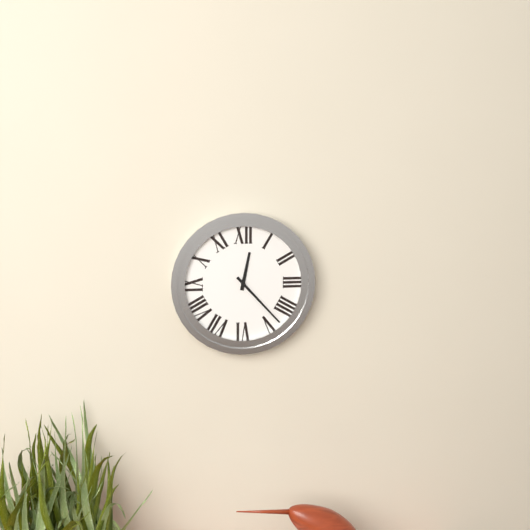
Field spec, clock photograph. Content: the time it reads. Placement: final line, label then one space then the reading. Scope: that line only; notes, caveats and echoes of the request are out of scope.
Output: 12:23
